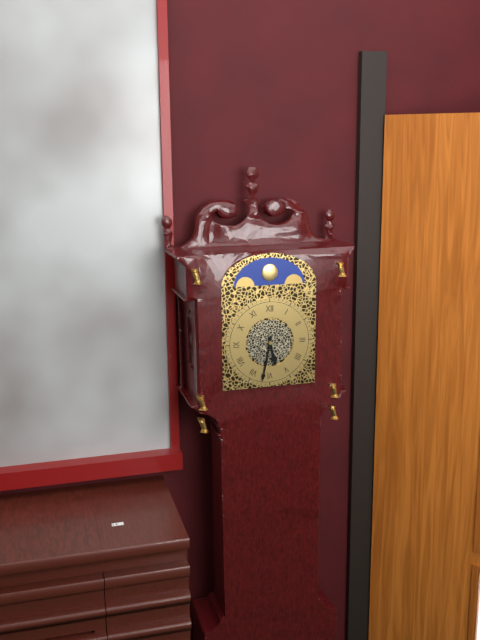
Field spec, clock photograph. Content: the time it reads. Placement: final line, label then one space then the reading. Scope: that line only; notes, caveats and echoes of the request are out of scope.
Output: 5:32
